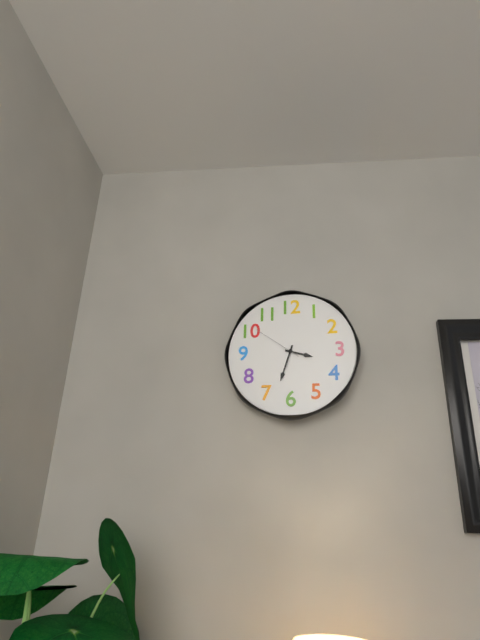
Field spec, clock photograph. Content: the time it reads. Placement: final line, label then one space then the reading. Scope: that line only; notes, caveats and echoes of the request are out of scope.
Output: 3:33:51
